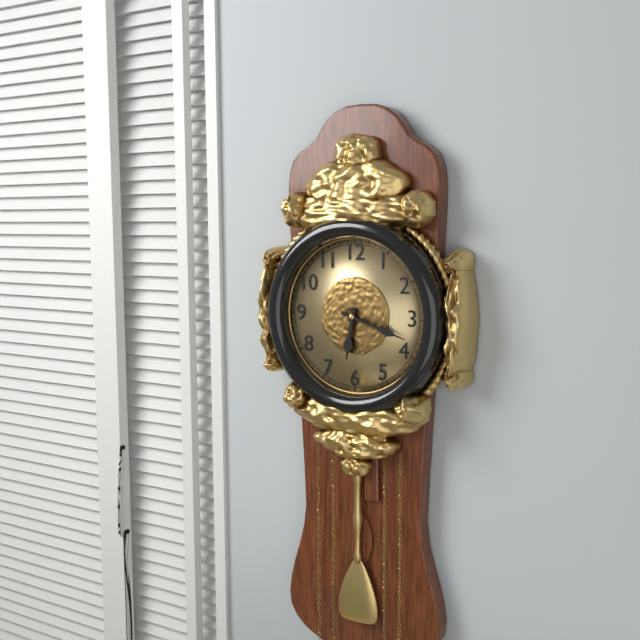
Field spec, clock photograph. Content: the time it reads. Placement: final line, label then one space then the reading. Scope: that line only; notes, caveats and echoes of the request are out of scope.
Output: 6:18
